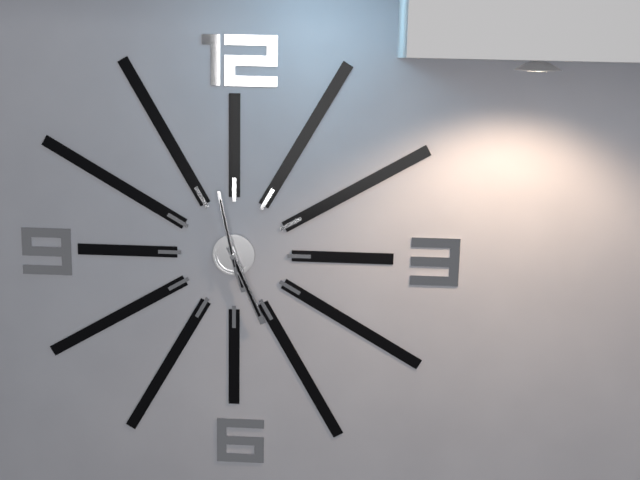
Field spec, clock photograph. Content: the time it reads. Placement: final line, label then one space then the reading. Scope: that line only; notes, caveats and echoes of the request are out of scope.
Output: 5:26:58
